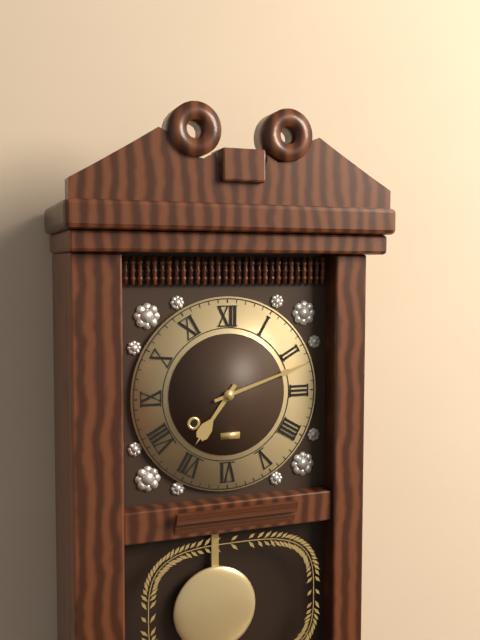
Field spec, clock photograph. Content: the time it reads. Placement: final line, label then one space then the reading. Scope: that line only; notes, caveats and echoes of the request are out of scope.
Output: 7:12
